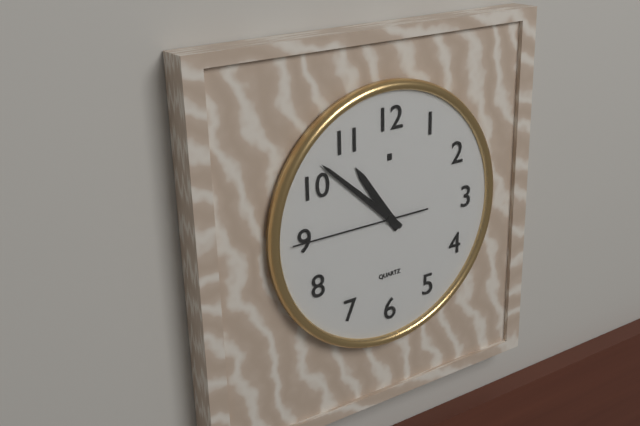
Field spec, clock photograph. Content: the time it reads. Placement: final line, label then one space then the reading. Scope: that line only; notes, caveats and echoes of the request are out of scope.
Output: 10:52:45
